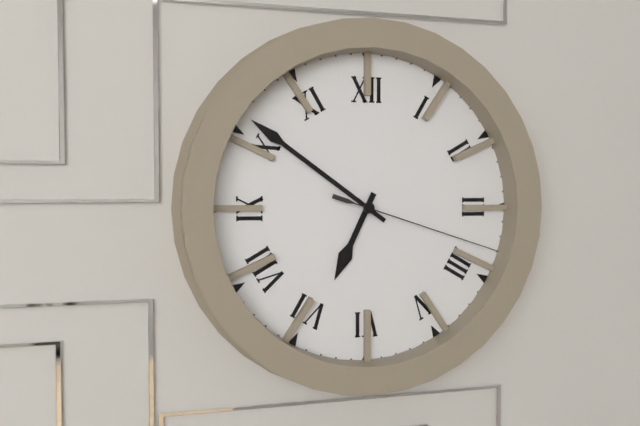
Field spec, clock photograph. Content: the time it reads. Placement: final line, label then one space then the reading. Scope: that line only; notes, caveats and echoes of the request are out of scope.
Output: 6:51:18
